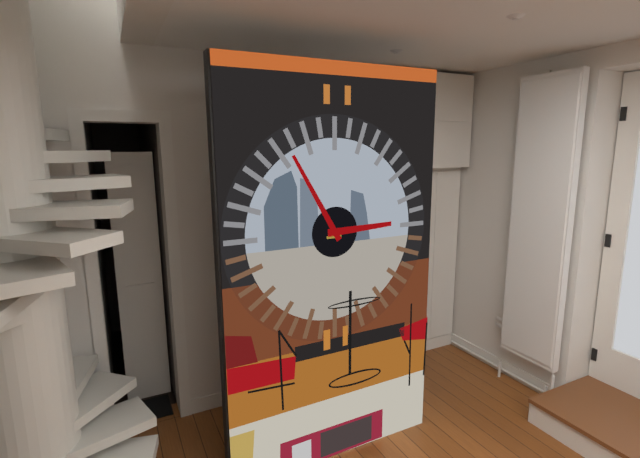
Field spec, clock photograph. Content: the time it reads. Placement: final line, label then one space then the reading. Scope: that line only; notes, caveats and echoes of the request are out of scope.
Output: 2:55
